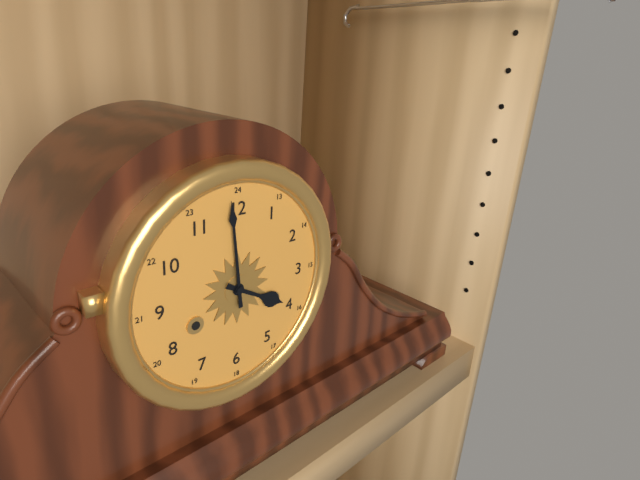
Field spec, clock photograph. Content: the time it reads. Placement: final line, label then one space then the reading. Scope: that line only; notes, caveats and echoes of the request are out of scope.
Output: 3:59
